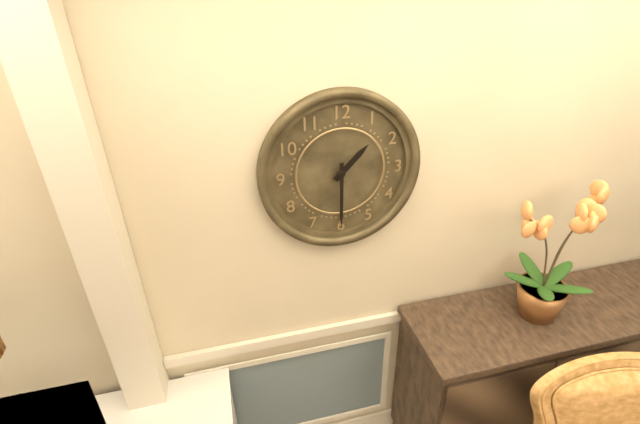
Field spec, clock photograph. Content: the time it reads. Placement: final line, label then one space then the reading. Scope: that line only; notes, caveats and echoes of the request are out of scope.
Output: 1:30
